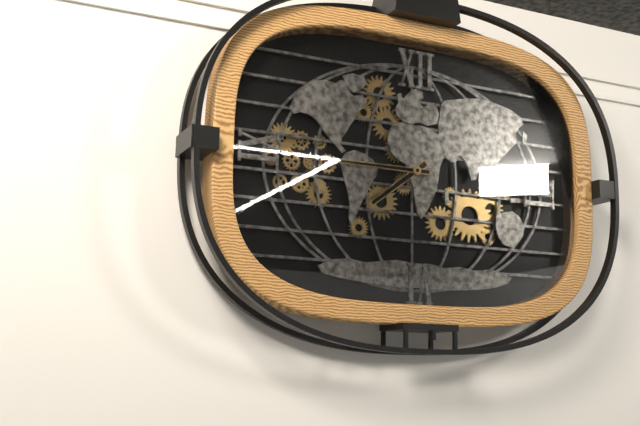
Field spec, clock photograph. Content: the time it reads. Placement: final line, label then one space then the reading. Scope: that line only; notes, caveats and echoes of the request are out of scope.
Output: 7:45
